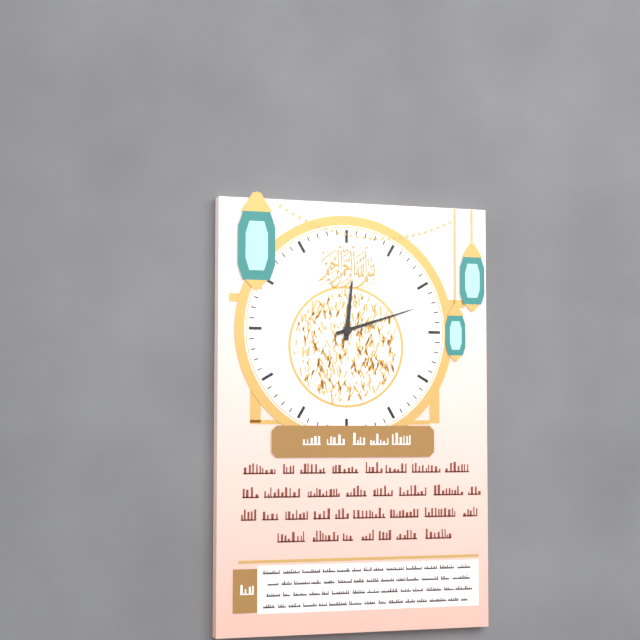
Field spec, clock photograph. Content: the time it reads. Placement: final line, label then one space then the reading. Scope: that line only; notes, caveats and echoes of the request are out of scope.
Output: 12:12
